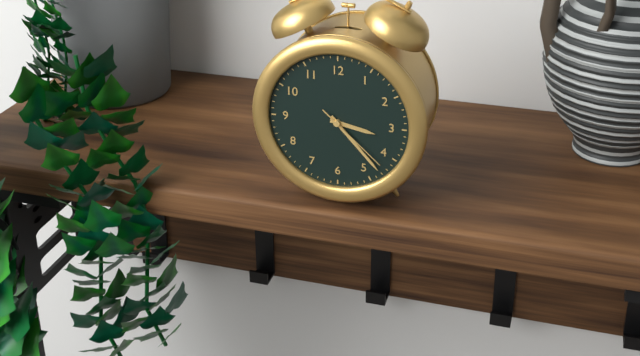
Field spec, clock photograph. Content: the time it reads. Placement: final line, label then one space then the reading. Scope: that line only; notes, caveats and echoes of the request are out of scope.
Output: 3:23:22
